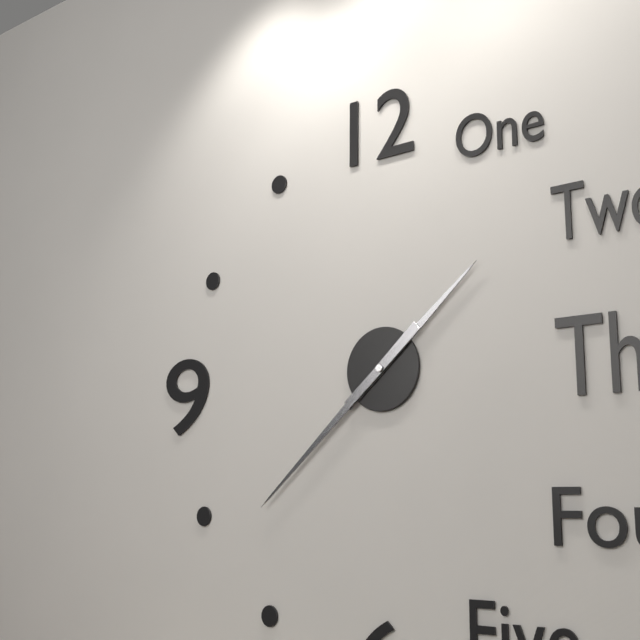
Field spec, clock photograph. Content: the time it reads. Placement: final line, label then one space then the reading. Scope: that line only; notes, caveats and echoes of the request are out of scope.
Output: 1:38
